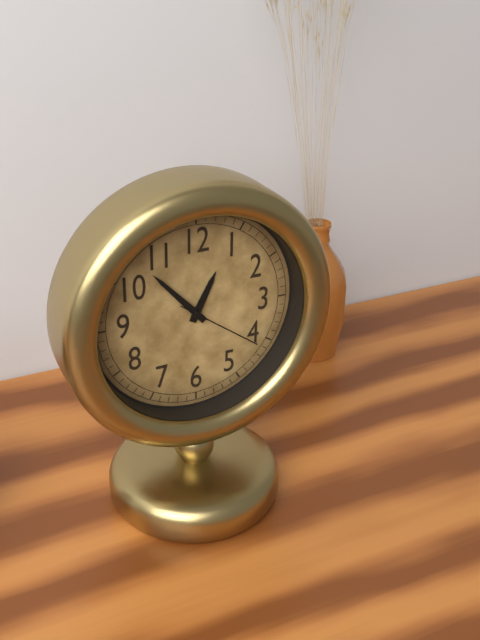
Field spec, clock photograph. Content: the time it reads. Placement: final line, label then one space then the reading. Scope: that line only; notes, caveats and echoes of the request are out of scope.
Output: 12:53:21
